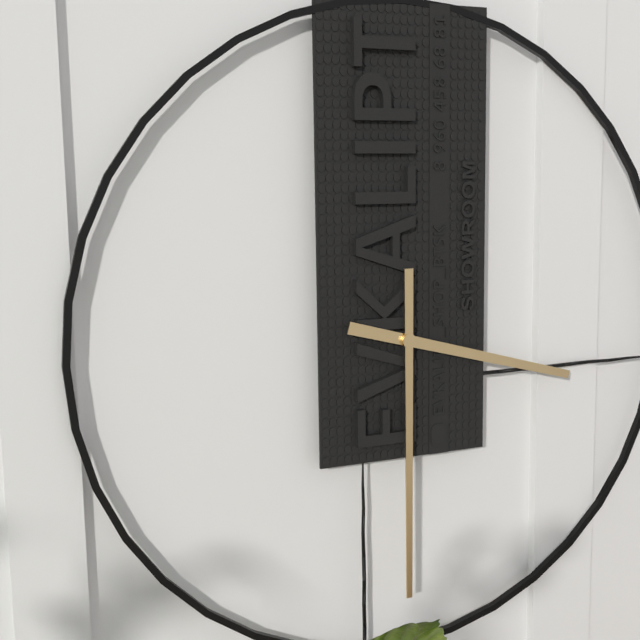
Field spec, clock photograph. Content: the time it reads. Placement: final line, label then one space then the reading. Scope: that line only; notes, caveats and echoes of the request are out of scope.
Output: 3:30
